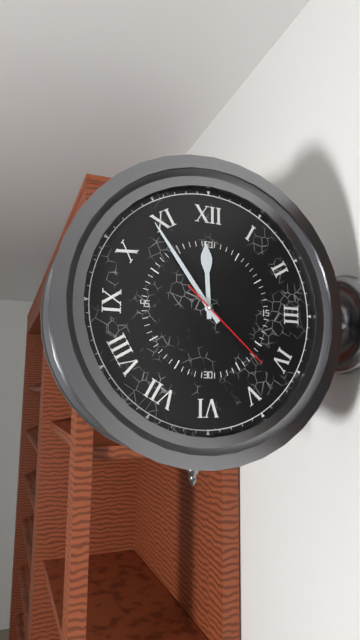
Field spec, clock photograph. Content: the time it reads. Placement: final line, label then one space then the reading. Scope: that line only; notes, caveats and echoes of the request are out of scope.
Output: 11:54:22
